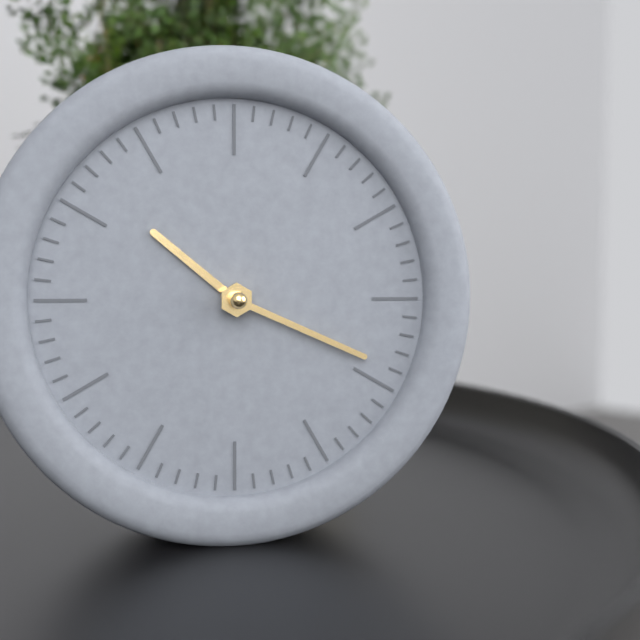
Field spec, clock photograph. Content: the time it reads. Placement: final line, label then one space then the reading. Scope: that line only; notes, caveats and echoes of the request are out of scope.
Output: 10:19
